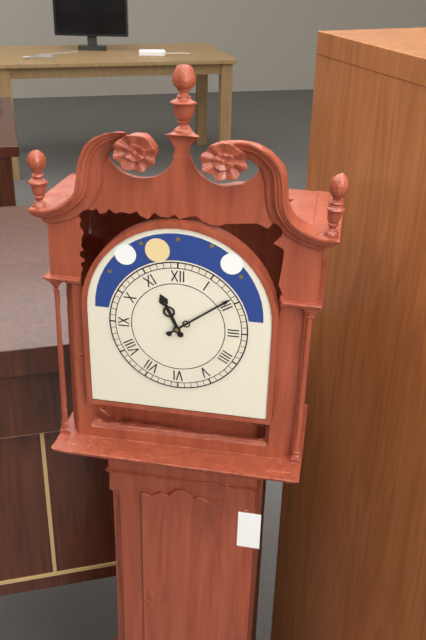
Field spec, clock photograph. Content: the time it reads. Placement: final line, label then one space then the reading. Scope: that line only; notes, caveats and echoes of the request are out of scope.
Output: 11:09
